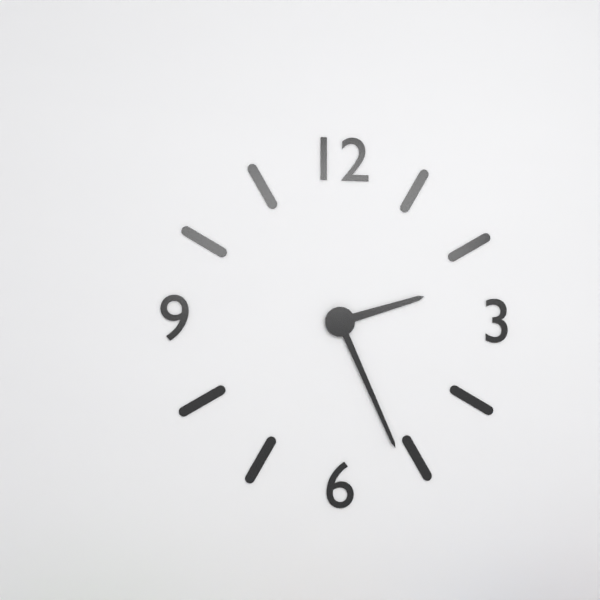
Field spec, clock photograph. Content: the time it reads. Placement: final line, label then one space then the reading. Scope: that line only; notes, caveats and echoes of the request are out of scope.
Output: 2:26
